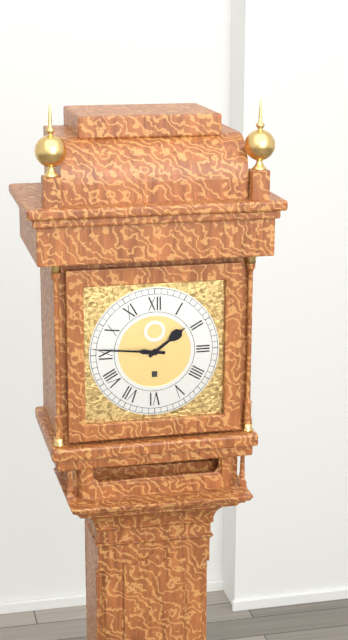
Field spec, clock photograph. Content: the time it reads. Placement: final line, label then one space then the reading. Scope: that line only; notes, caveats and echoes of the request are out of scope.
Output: 1:46
